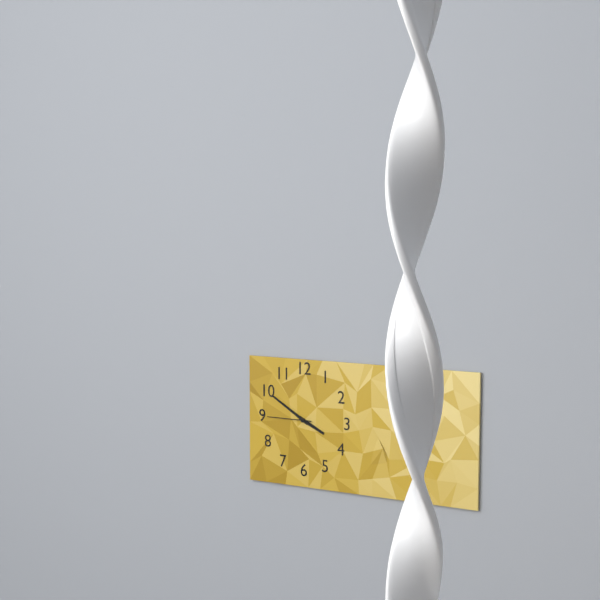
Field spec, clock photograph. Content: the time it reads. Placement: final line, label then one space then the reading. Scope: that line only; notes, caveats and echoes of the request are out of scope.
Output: 3:50
